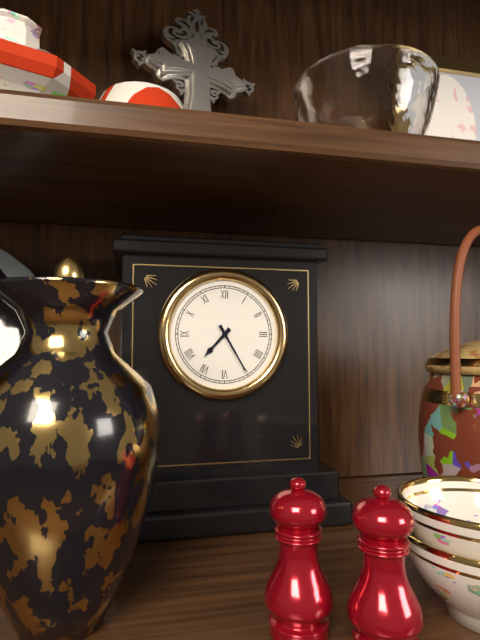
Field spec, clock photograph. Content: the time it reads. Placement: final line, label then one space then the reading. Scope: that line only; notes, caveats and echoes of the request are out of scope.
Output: 7:25
